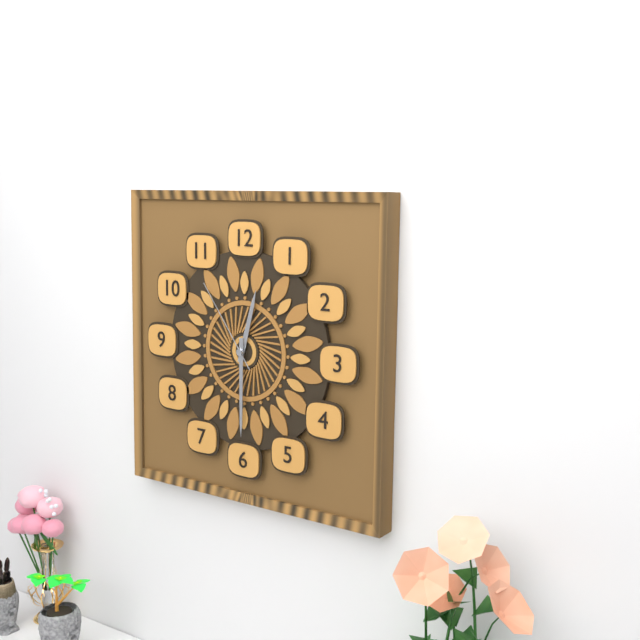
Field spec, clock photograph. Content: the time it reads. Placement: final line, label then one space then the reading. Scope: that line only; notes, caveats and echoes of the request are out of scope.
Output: 12:30:54
